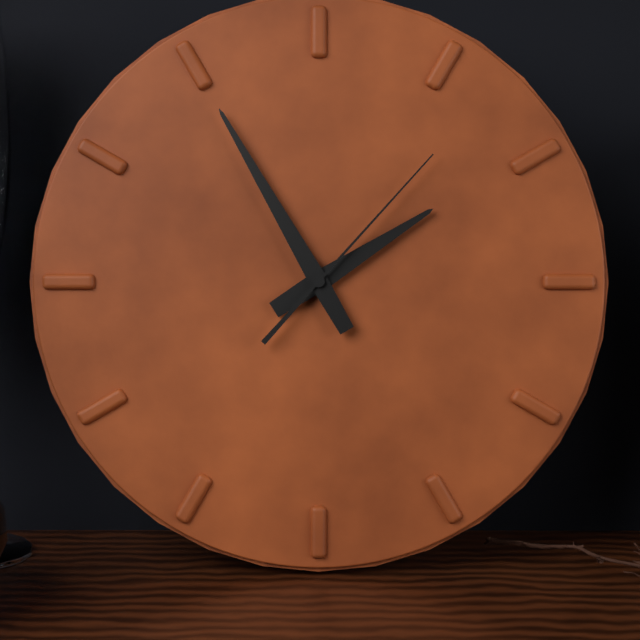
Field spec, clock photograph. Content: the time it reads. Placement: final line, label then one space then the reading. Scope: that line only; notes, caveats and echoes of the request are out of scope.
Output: 1:55:07
